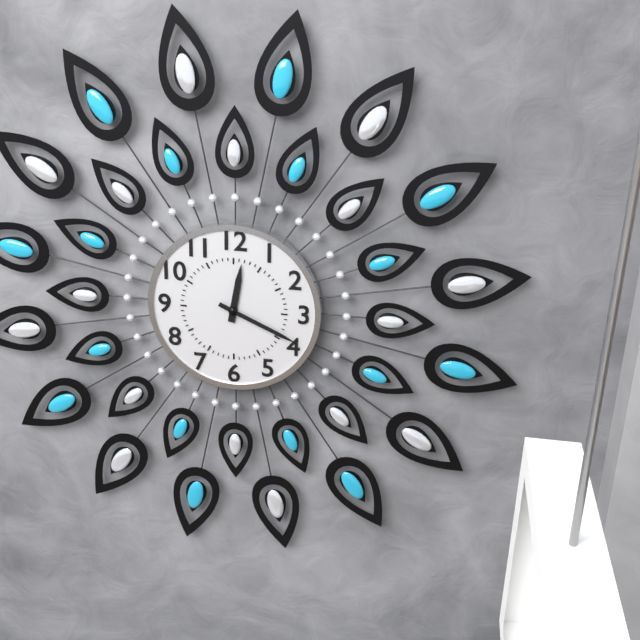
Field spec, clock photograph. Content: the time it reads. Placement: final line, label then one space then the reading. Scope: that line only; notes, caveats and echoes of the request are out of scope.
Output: 12:19
